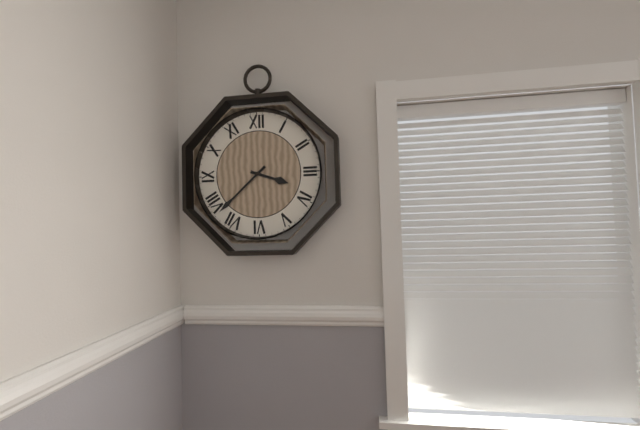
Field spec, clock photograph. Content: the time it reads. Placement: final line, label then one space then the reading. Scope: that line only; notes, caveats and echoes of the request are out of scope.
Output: 3:38
